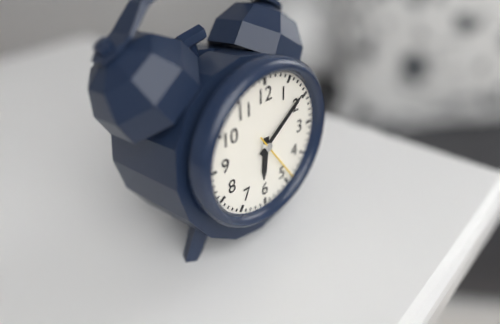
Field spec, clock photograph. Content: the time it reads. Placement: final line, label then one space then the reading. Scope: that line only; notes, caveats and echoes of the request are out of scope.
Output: 6:09
